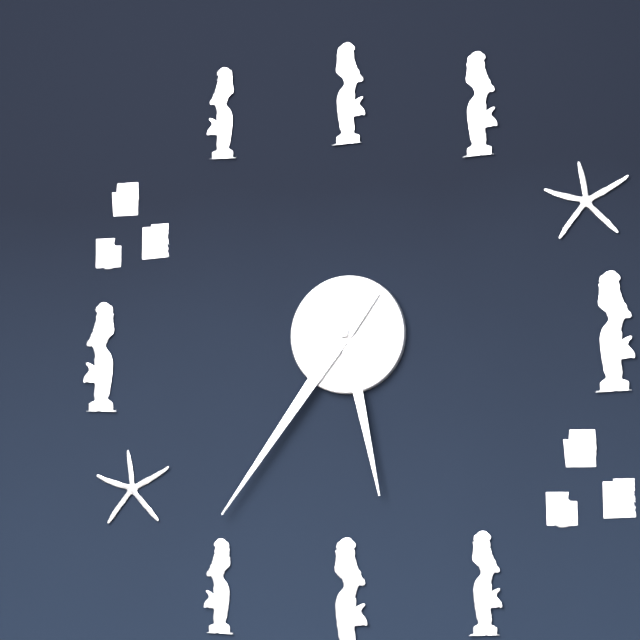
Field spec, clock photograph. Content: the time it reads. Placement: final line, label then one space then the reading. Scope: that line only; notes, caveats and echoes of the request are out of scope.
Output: 5:36
